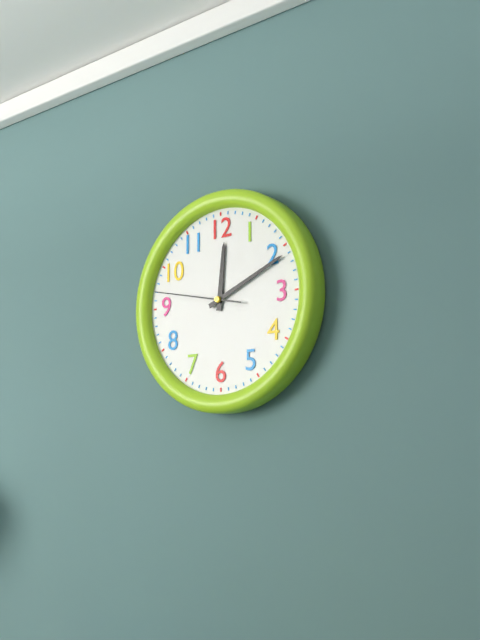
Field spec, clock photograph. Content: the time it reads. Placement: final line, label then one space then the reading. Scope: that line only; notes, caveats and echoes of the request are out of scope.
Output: 12:11:47
